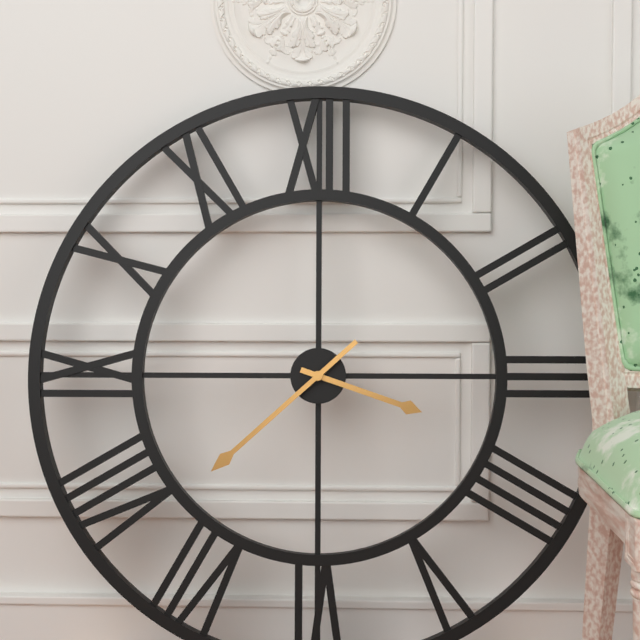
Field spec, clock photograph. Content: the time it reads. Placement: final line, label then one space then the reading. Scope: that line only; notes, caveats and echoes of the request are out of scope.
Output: 3:38
